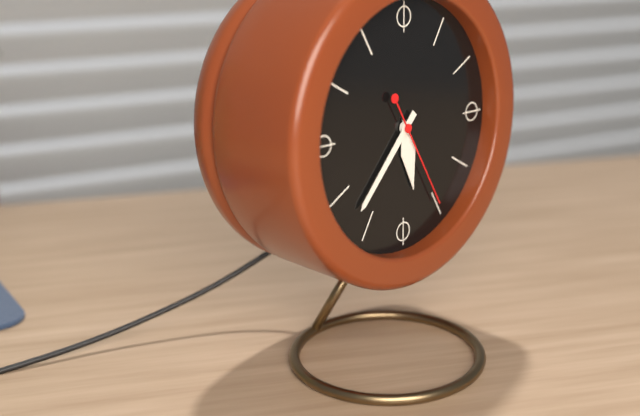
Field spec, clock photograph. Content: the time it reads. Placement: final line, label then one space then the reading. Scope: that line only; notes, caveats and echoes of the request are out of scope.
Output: 5:37:25
